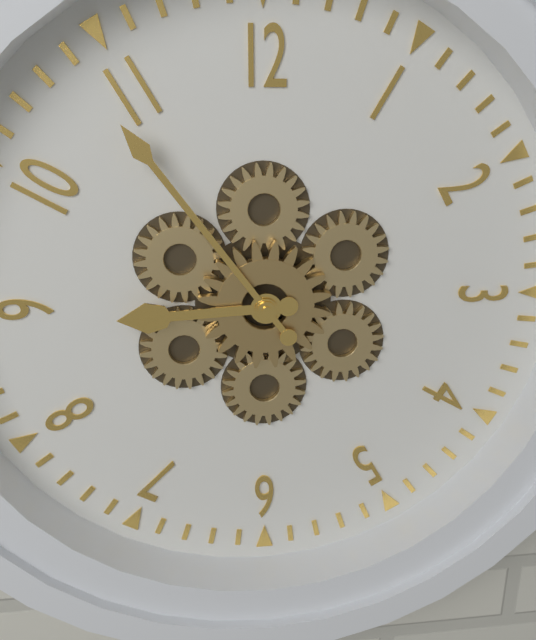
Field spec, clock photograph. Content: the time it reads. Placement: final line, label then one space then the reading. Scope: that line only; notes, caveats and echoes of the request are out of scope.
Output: 8:54
